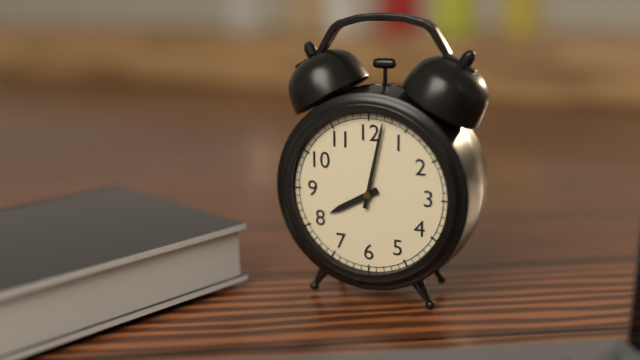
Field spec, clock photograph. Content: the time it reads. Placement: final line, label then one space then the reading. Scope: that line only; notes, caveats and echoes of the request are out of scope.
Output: 8:02
